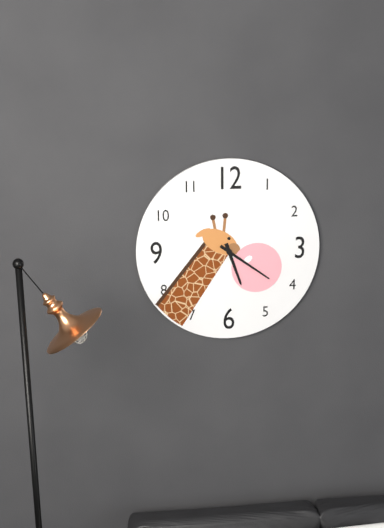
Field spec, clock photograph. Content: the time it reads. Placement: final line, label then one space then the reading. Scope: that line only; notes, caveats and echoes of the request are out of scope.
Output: 5:21
